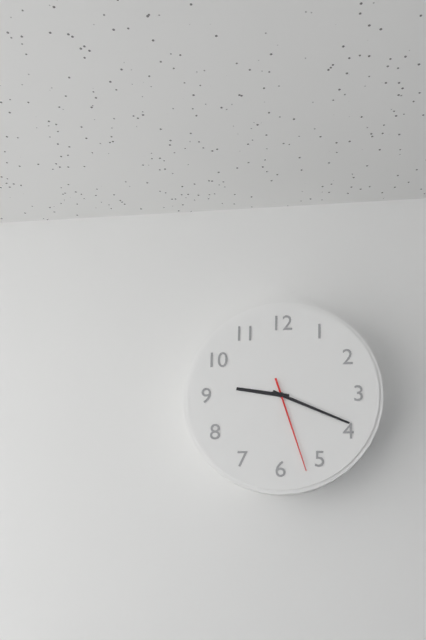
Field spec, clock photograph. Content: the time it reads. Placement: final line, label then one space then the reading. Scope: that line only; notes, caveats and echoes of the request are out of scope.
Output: 9:19:27
